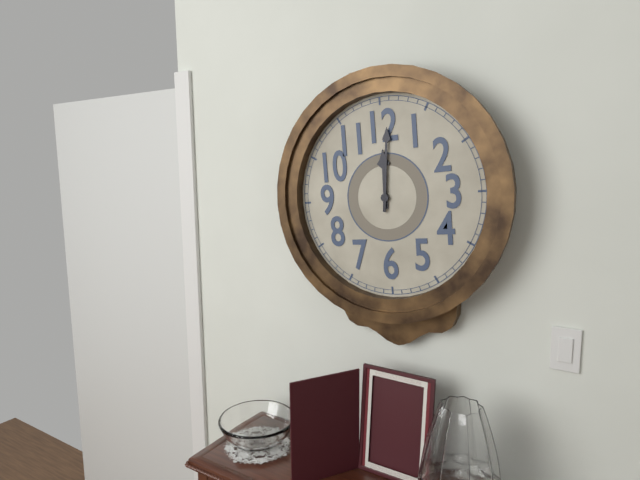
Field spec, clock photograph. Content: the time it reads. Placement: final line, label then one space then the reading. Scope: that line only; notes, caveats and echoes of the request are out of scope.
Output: 12:01
